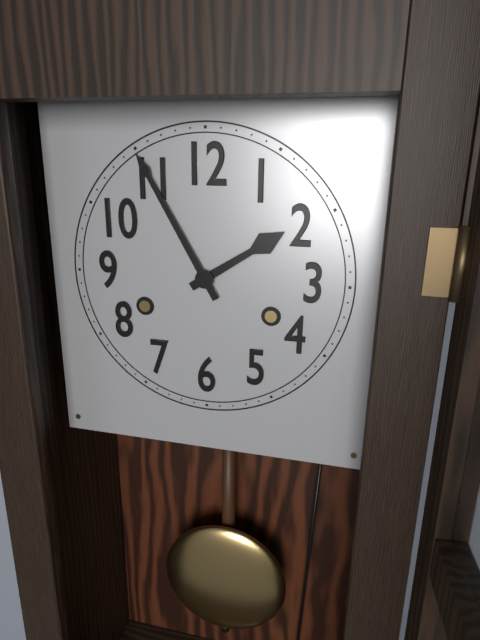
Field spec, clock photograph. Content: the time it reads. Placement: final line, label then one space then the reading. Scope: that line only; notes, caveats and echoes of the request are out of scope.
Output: 1:55
